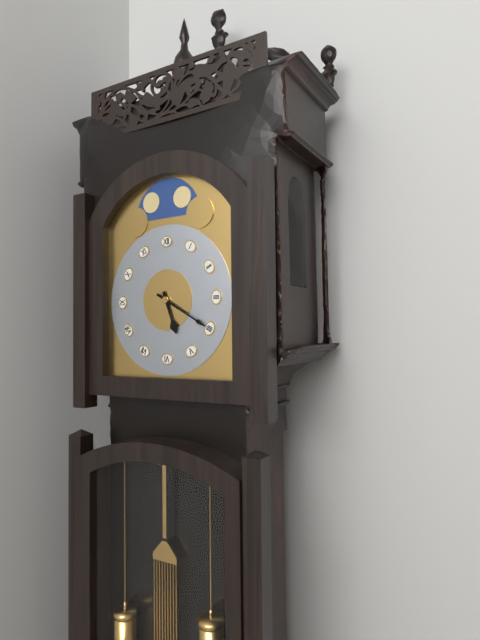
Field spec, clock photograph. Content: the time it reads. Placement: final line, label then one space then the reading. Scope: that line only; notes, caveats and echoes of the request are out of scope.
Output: 5:20
